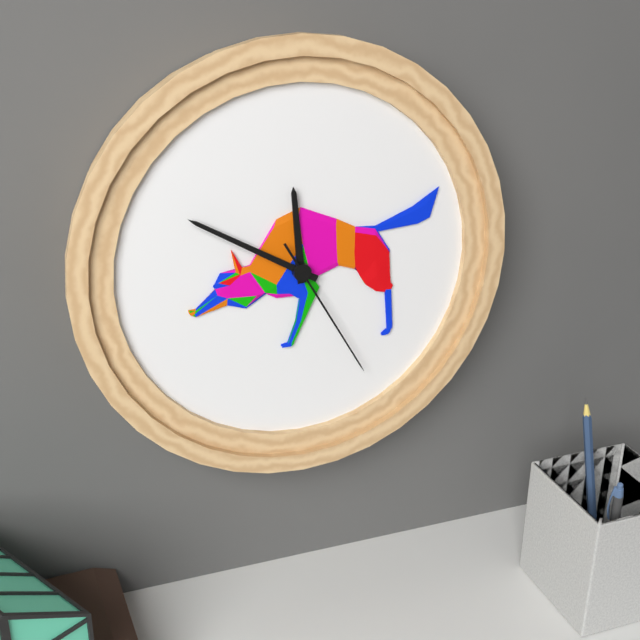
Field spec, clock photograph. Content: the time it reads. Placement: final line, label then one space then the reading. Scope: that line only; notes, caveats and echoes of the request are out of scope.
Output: 11:50:25
